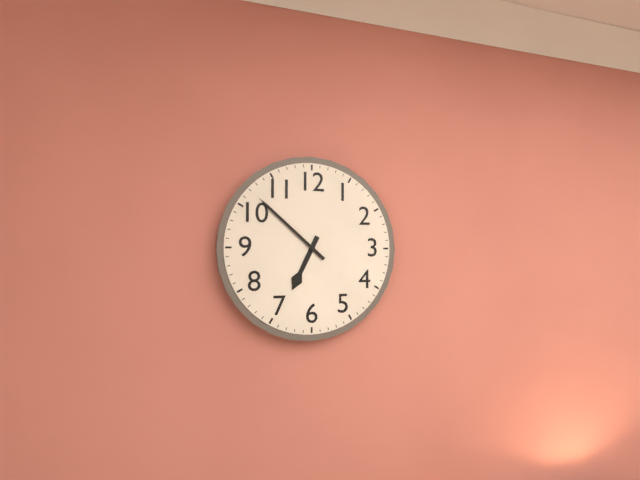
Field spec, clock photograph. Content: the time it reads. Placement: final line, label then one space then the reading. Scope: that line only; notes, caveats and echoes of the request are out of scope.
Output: 6:52
